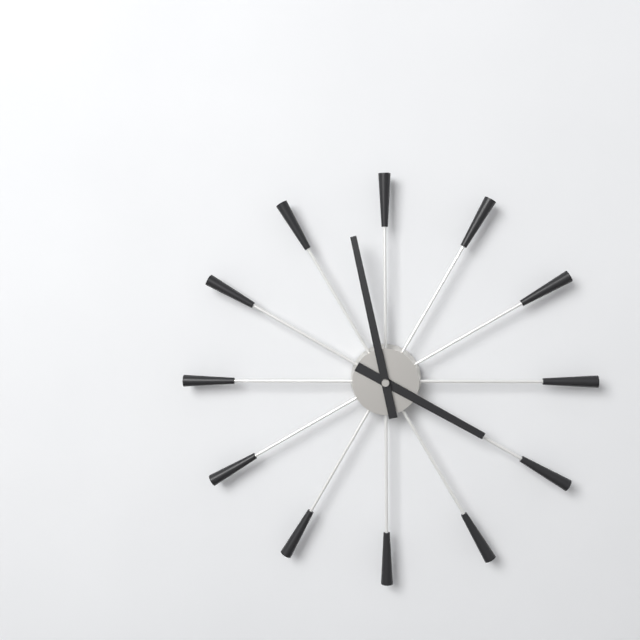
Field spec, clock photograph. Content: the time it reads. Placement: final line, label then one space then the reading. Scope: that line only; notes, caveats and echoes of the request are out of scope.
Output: 3:58
